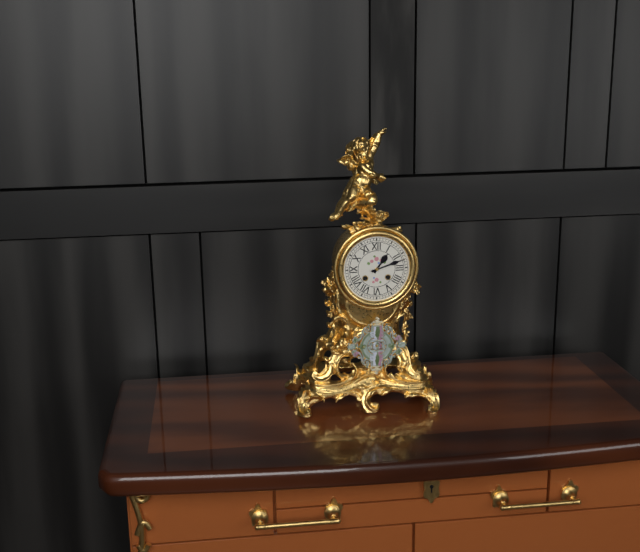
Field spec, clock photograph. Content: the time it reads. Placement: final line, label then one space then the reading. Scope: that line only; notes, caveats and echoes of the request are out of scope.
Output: 1:12
